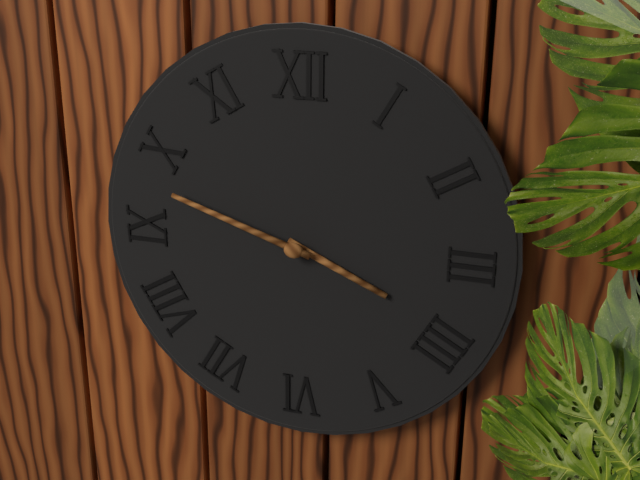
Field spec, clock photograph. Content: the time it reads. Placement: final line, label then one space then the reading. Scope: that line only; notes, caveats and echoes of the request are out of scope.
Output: 3:48
